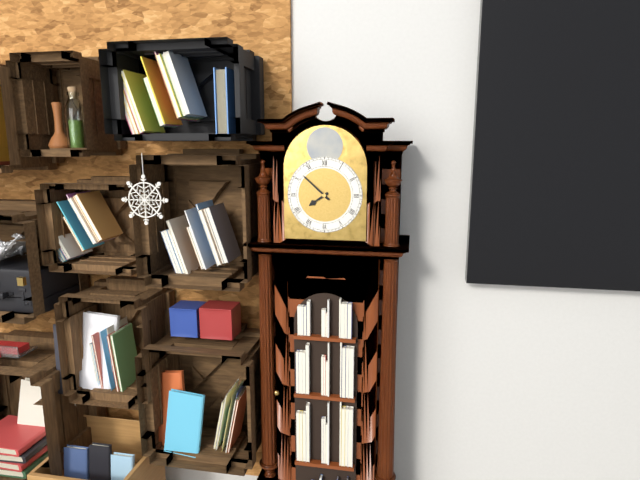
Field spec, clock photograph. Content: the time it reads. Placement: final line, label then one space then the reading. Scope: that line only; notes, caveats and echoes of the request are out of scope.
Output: 7:52
